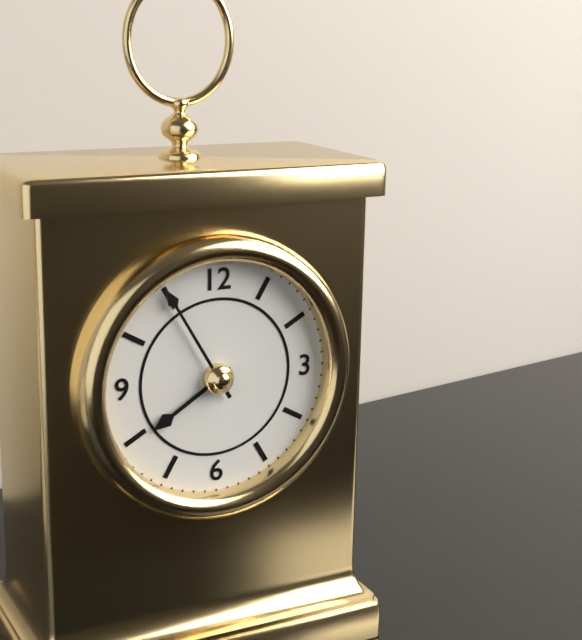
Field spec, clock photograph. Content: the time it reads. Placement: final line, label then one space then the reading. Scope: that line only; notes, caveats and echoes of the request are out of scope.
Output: 7:55
